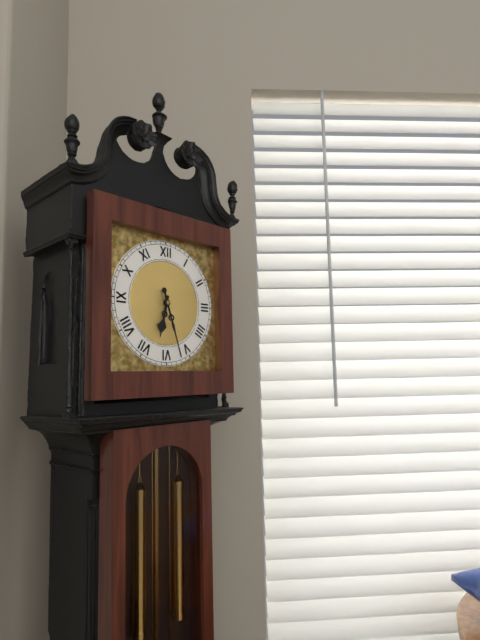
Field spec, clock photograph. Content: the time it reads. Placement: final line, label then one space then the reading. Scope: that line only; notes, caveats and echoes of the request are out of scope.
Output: 6:27
